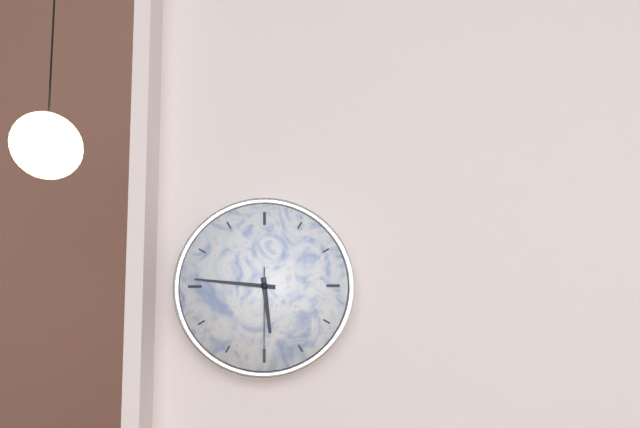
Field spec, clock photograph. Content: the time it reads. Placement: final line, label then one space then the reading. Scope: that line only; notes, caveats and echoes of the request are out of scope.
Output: 5:46:30
